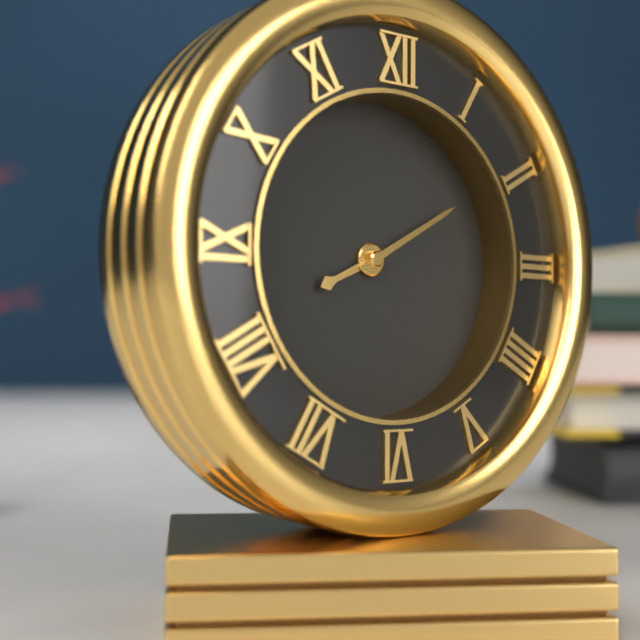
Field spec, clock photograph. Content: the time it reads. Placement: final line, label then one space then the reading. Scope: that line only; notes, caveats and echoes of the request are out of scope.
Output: 8:10
